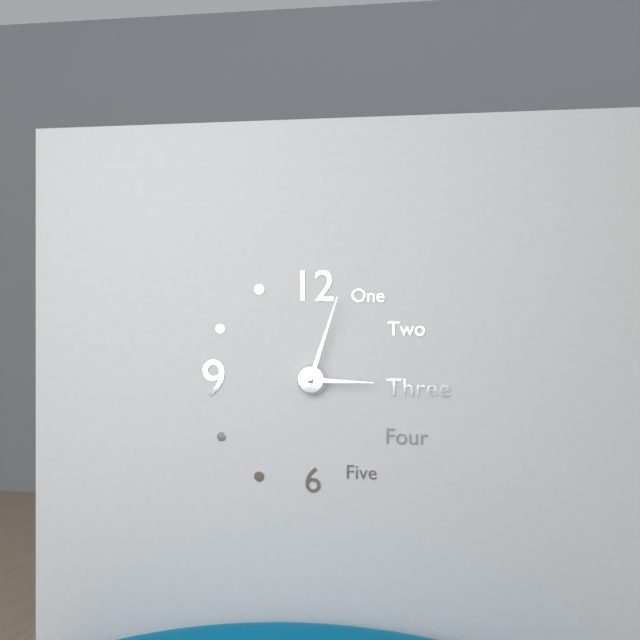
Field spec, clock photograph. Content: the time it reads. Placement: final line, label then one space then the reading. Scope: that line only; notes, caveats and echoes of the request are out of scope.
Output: 3:03
